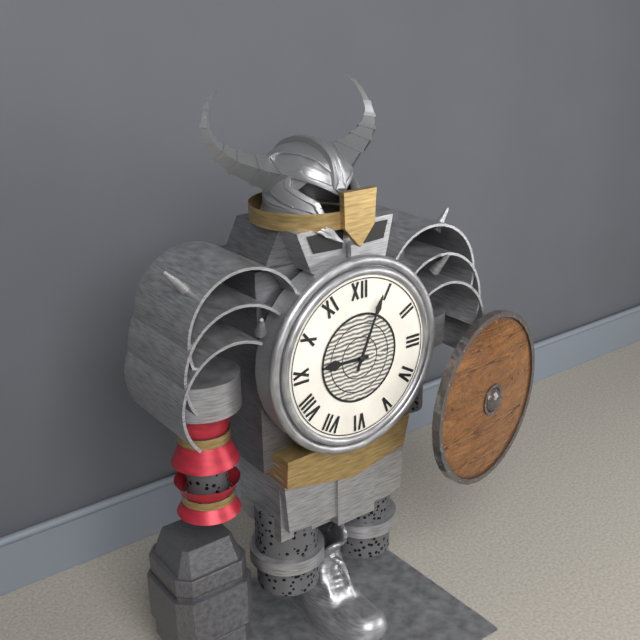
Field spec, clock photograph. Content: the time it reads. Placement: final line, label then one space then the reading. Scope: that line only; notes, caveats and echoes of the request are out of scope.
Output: 9:04
